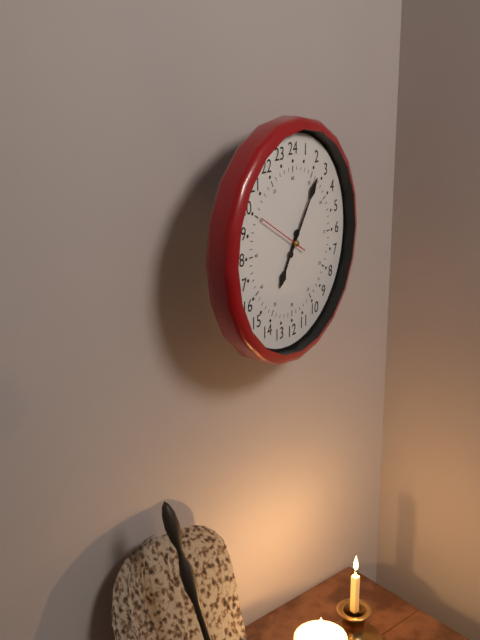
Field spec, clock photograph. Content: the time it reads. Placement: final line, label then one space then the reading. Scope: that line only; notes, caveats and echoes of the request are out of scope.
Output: 7:06:50
